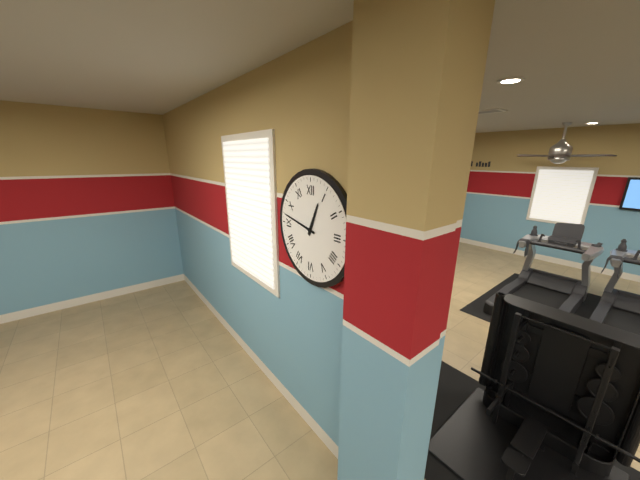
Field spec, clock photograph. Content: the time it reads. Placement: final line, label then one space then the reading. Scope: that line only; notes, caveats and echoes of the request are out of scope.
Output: 12:47
